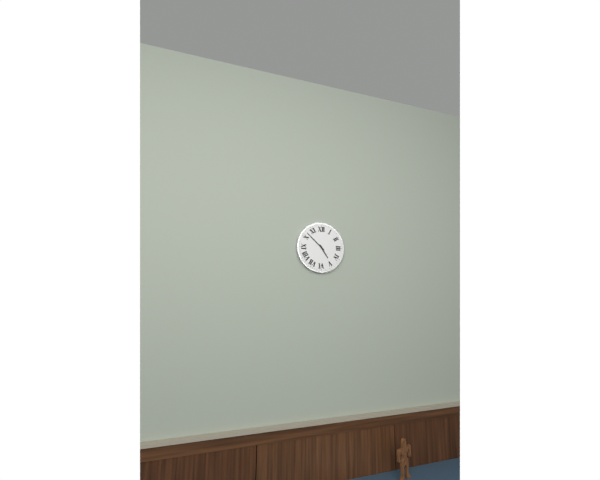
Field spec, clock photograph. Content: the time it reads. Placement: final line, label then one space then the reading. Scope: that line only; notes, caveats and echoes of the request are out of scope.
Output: 4:52
